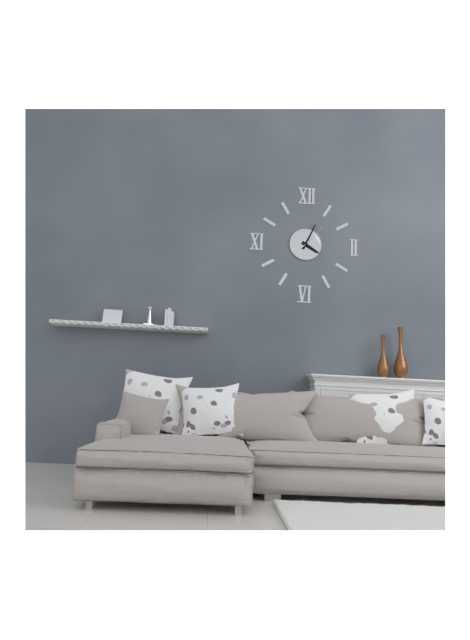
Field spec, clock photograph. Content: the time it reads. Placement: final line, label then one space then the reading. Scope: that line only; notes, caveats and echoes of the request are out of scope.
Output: 4:04
